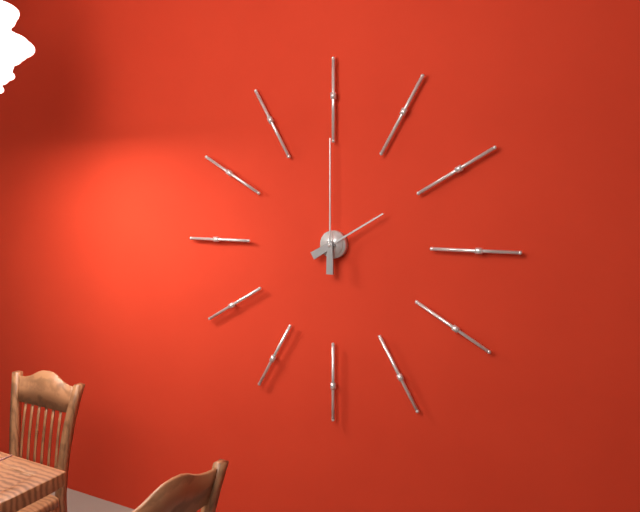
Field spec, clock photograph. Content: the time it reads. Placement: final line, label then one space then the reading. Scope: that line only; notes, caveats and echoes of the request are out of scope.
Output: 2:00
